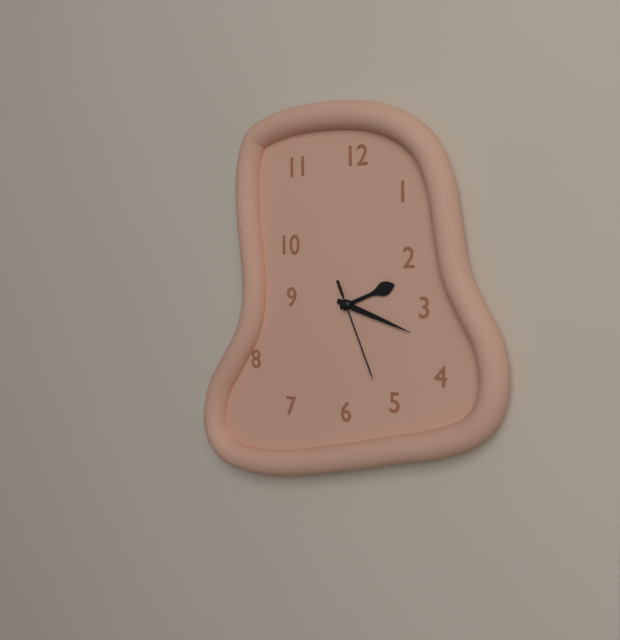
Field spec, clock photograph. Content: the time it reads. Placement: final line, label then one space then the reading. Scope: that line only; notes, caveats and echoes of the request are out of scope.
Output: 2:18:26
